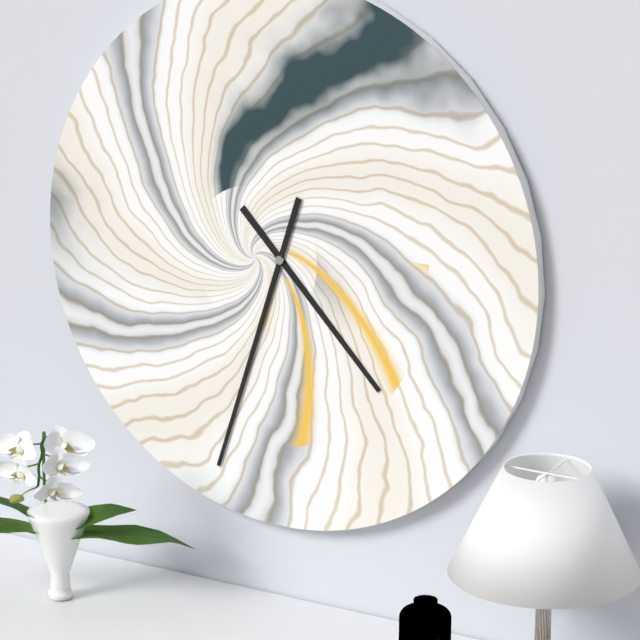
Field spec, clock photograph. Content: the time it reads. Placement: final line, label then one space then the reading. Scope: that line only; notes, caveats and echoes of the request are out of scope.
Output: 4:33
